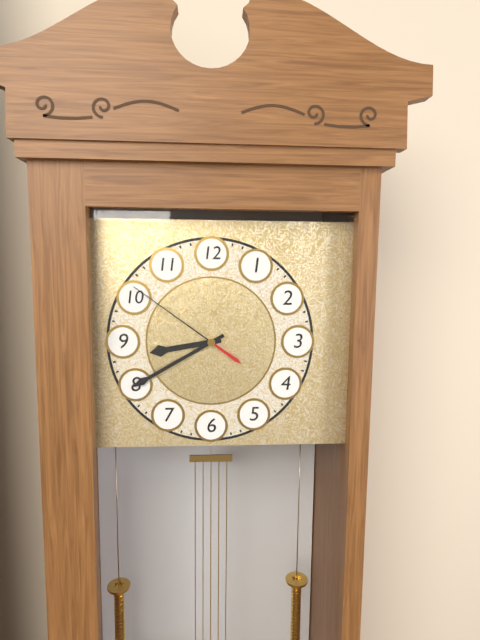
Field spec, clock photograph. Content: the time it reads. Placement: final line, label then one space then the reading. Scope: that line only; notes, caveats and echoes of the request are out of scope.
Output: 8:40:51
